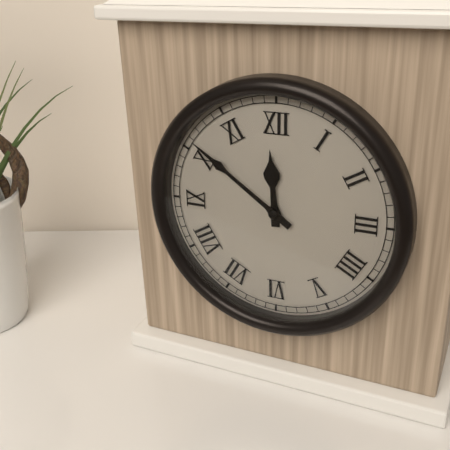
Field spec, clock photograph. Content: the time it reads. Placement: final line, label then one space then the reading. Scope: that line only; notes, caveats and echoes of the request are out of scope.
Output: 11:51
